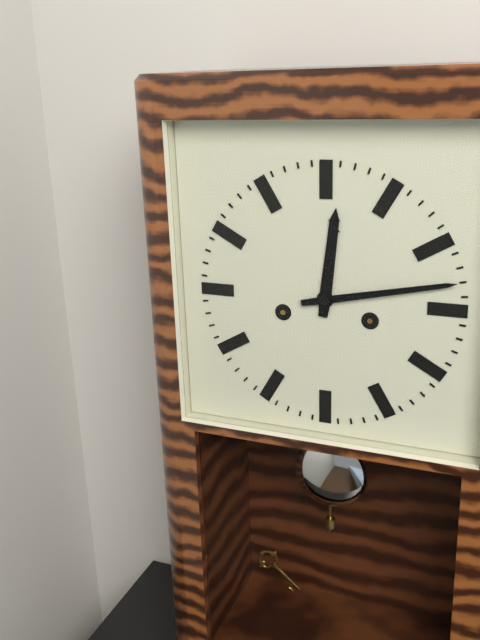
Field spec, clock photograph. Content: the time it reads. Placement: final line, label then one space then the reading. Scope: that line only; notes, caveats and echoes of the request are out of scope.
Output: 12:13
